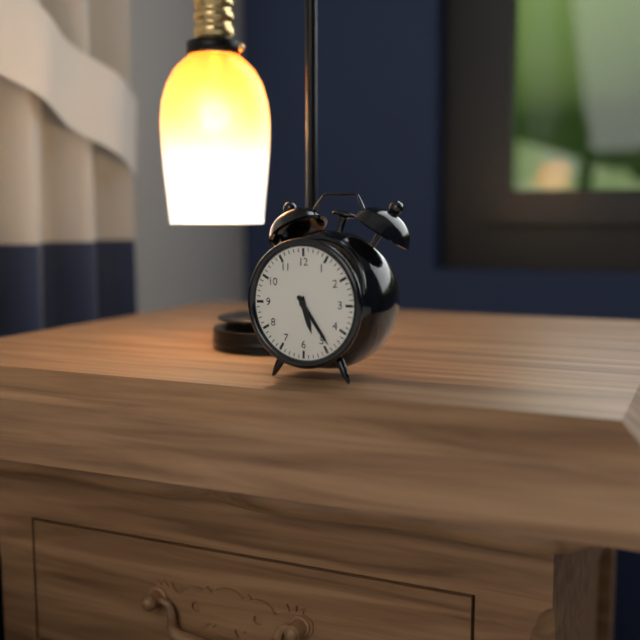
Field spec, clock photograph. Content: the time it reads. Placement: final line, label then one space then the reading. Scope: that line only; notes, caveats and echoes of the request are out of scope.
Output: 5:24
